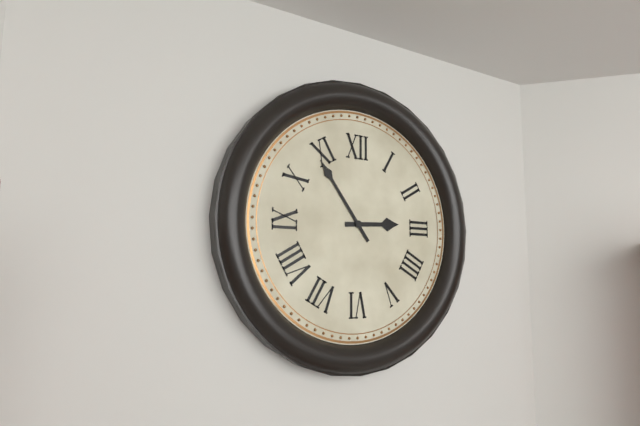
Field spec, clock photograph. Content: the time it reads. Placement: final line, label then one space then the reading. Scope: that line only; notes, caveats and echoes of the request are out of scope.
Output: 2:54
